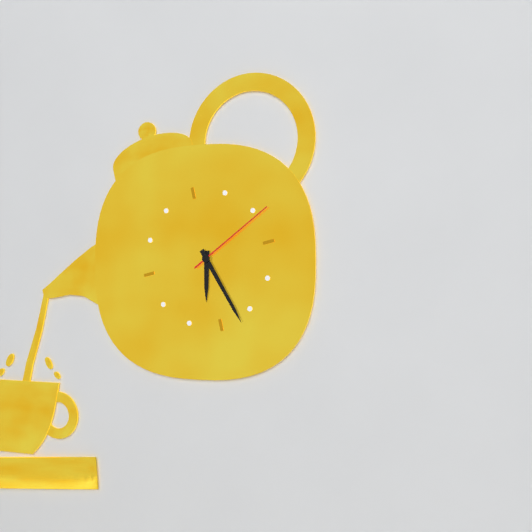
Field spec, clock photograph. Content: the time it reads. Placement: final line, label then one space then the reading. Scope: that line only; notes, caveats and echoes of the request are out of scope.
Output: 6:27:11
